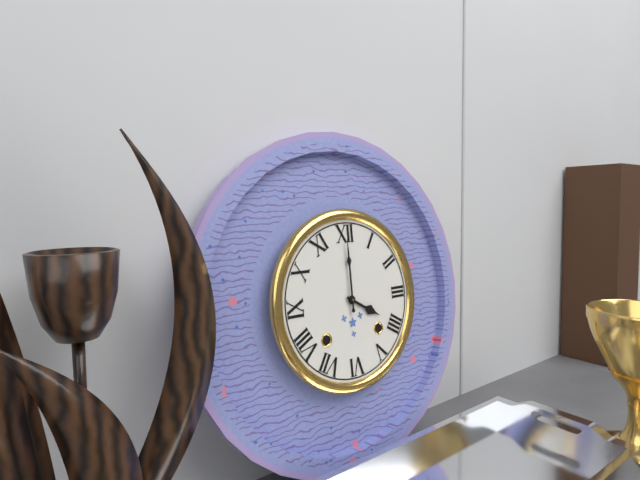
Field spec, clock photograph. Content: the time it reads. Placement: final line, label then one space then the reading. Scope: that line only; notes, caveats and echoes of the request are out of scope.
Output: 4:00
